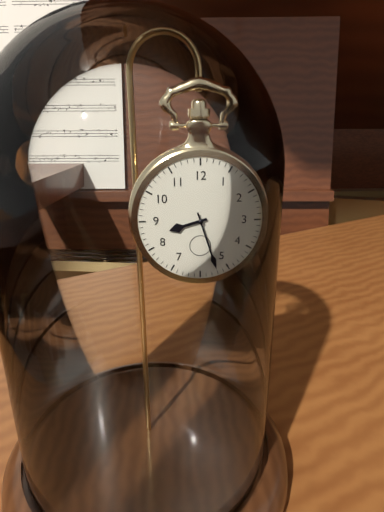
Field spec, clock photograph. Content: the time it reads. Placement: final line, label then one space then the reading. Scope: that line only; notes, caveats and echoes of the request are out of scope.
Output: 8:27
